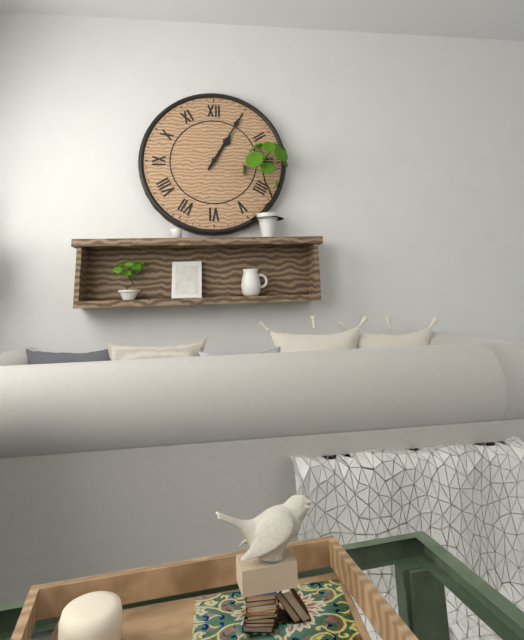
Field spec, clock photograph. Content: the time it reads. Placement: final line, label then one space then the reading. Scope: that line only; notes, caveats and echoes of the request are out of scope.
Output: 1:05
